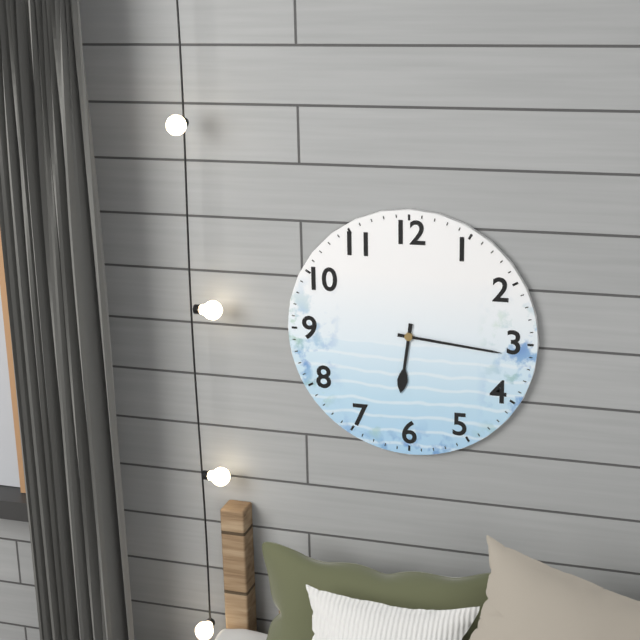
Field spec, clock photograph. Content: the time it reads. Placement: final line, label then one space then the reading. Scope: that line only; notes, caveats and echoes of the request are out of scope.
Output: 6:16
